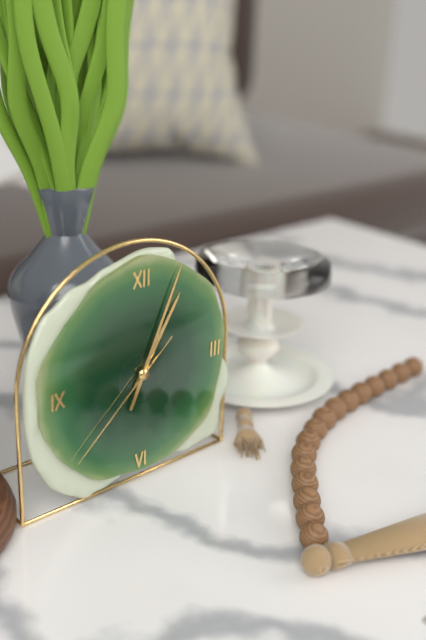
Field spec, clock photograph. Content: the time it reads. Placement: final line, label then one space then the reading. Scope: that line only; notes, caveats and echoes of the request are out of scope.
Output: 1:04:38
